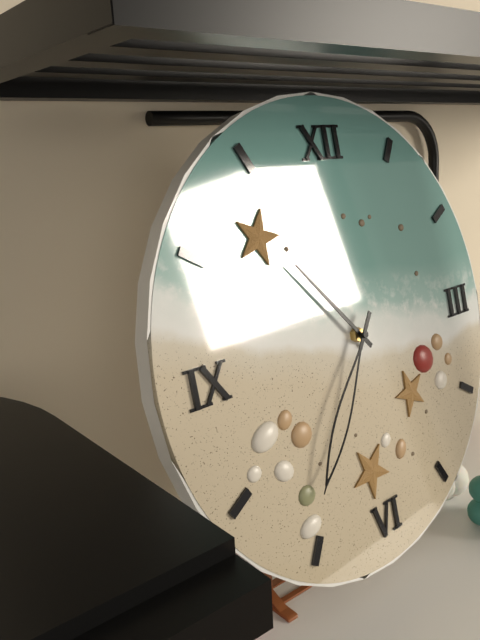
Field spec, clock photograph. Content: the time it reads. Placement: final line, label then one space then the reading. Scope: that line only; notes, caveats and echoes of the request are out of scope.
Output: 10:36
